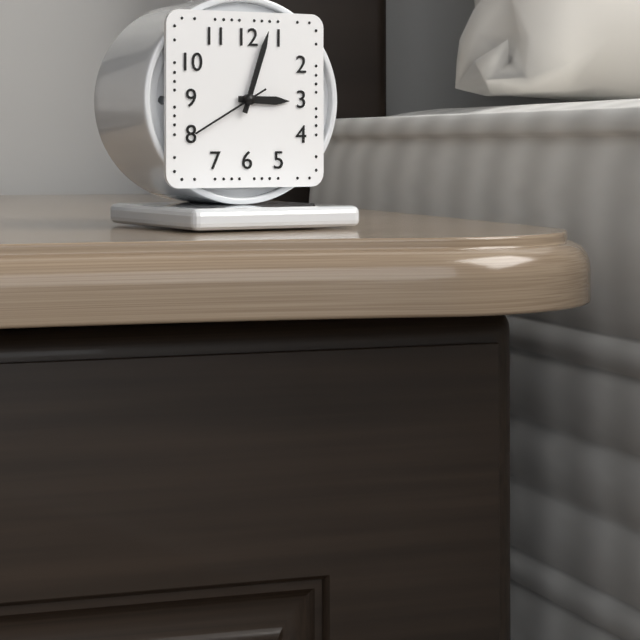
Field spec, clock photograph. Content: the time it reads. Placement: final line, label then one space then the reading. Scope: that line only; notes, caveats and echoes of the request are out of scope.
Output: 3:03:40
